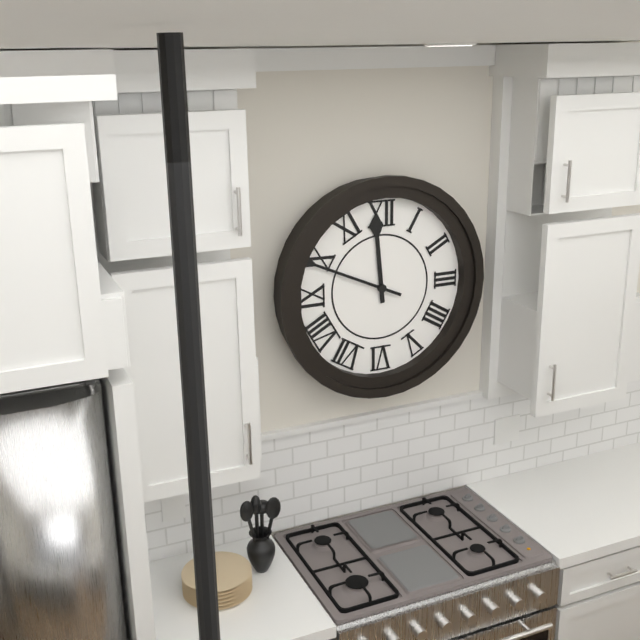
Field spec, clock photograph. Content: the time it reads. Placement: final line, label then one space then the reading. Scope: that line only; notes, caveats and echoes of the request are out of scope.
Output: 11:49
